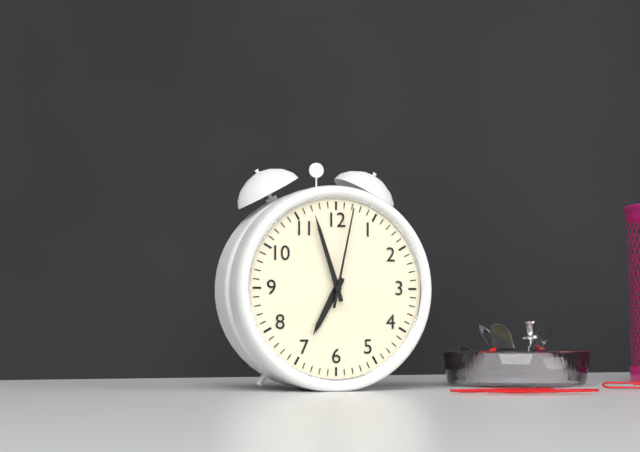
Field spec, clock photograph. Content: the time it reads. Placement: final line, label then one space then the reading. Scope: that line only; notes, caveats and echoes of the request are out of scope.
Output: 6:57:02
